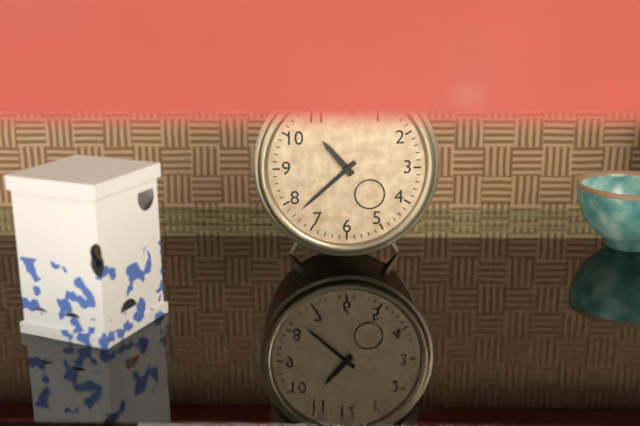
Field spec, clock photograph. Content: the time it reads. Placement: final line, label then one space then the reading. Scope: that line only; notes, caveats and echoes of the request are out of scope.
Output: 10:38
